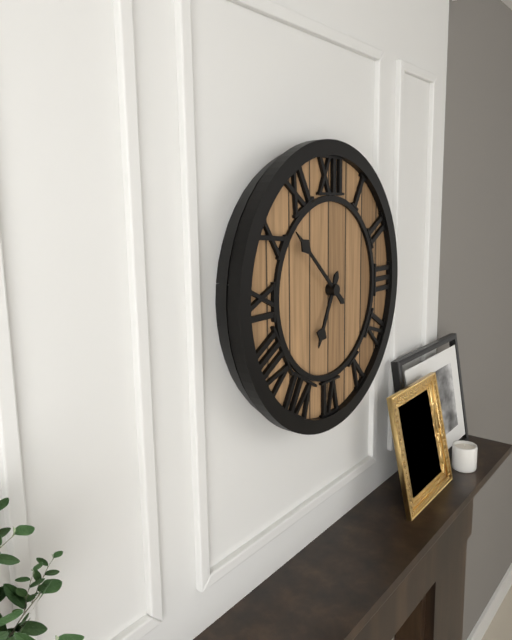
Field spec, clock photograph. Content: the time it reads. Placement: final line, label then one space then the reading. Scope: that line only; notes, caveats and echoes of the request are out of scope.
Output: 6:52
